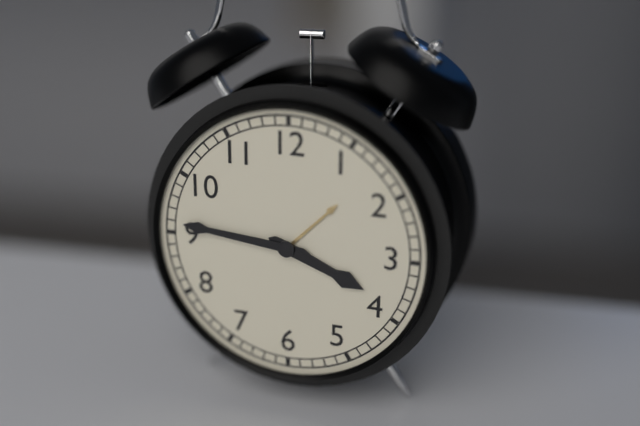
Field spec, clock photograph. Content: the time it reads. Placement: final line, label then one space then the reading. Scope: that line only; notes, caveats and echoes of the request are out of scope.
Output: 3:46
